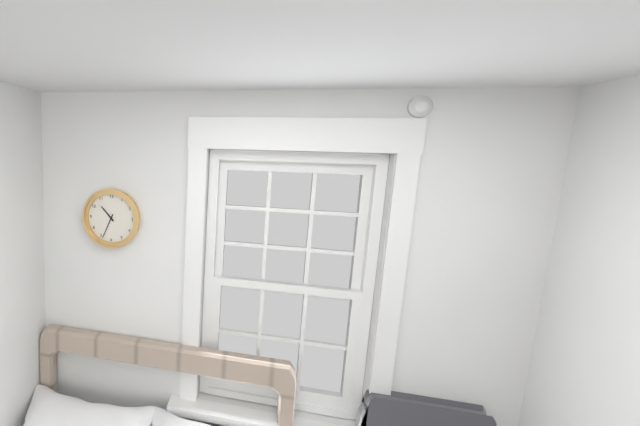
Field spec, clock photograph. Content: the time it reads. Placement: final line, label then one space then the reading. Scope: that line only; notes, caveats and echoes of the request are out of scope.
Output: 10:34
